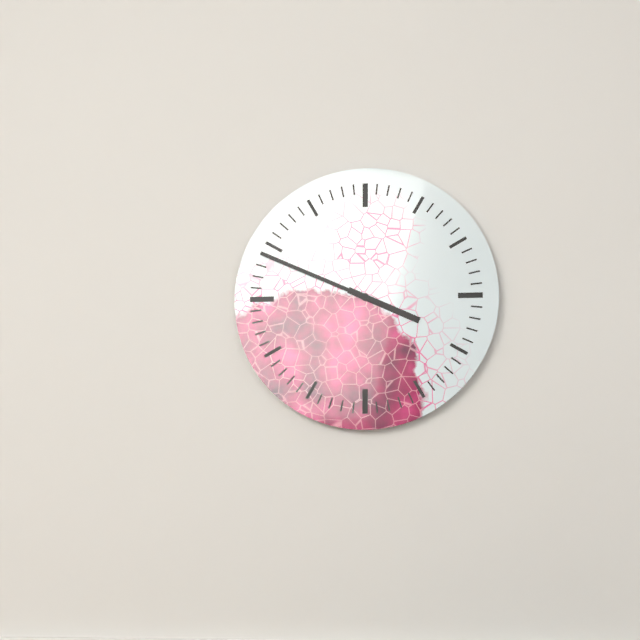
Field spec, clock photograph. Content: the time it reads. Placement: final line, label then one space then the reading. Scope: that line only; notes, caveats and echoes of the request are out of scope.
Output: 3:49
